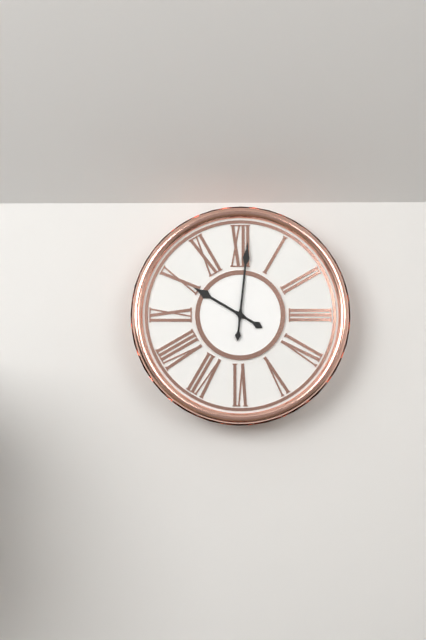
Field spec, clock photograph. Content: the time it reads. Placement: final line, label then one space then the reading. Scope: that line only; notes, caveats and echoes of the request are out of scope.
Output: 10:01
